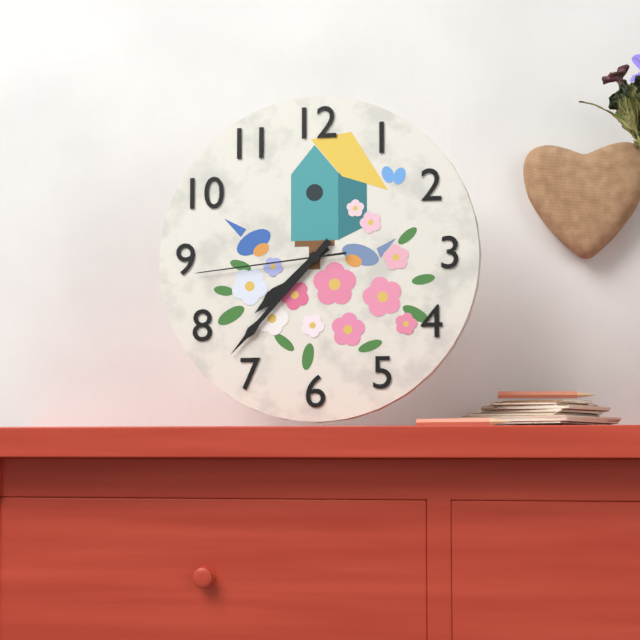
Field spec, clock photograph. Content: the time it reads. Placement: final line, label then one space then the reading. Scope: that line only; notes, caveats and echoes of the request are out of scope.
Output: 7:37:44
